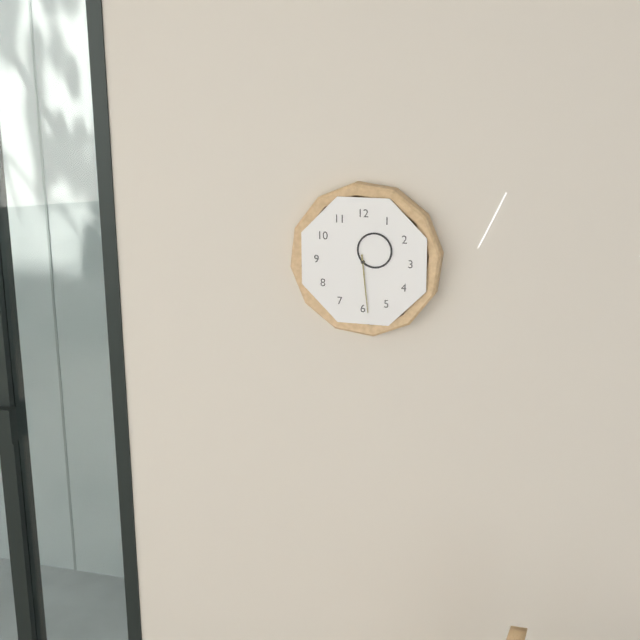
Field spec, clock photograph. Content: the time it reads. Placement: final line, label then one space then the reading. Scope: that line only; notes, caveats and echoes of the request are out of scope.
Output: 1:29
